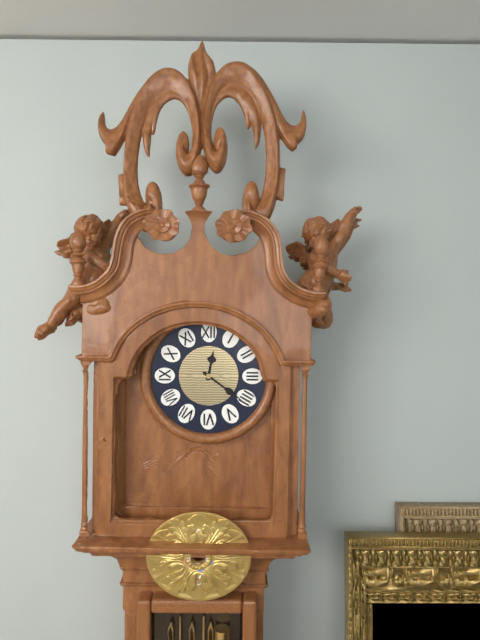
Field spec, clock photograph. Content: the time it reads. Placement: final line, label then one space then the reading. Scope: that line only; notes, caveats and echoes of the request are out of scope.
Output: 12:21
